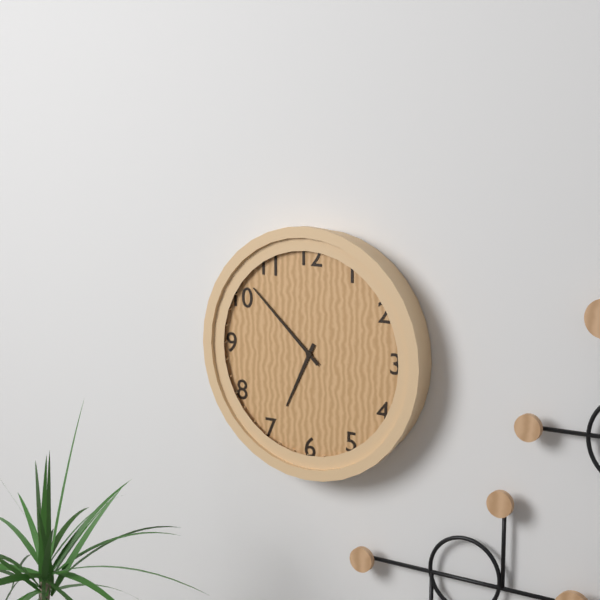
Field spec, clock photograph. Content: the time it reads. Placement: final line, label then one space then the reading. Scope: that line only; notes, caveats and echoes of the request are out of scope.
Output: 6:52
